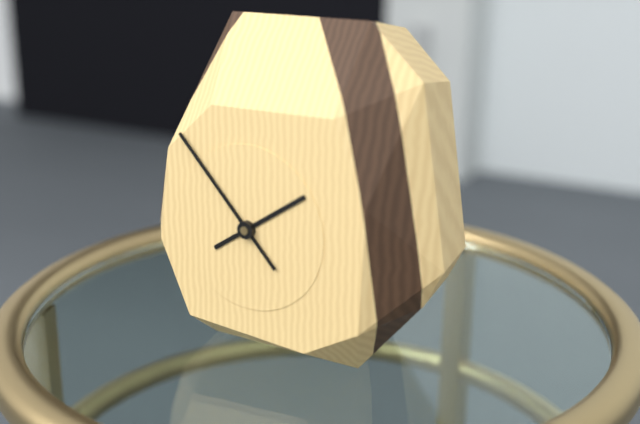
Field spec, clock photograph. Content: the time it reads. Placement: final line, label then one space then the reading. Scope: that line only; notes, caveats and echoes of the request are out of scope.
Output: 1:53
